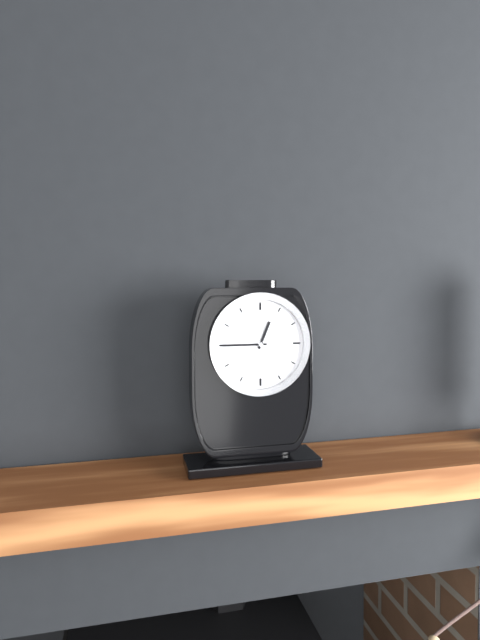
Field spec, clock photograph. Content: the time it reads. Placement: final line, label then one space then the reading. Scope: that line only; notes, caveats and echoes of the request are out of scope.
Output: 12:45
